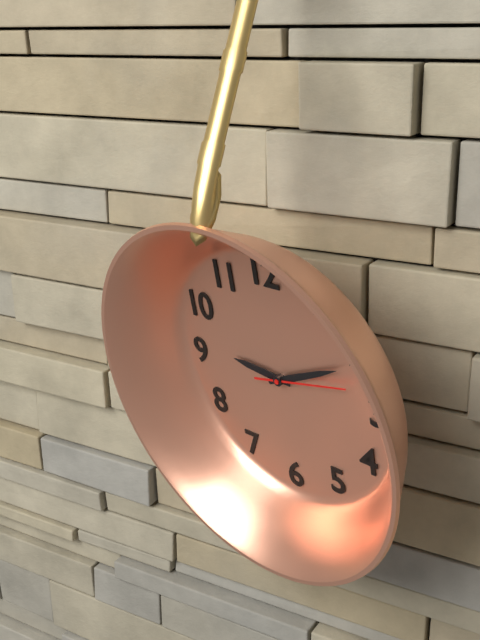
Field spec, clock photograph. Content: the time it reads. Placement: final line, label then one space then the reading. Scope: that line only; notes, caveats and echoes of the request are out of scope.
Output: 9:11:13
